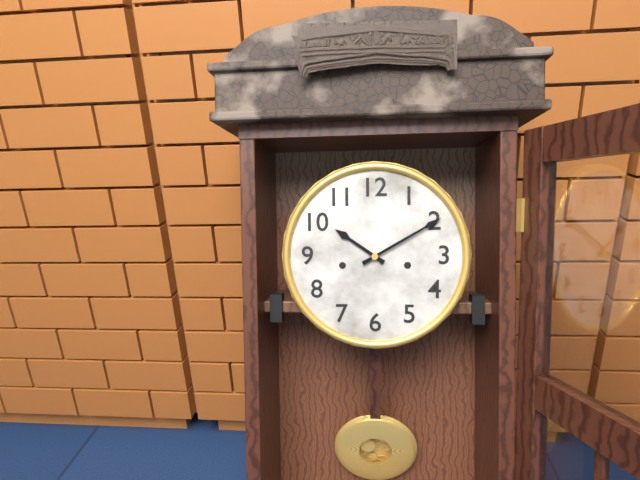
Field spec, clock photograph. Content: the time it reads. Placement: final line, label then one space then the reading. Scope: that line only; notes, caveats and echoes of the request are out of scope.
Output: 10:10
